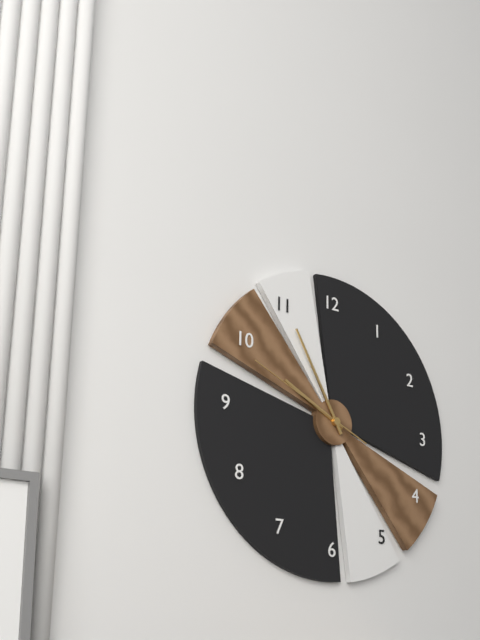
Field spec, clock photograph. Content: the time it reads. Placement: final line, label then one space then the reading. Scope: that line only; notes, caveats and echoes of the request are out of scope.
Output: 9:55:49
